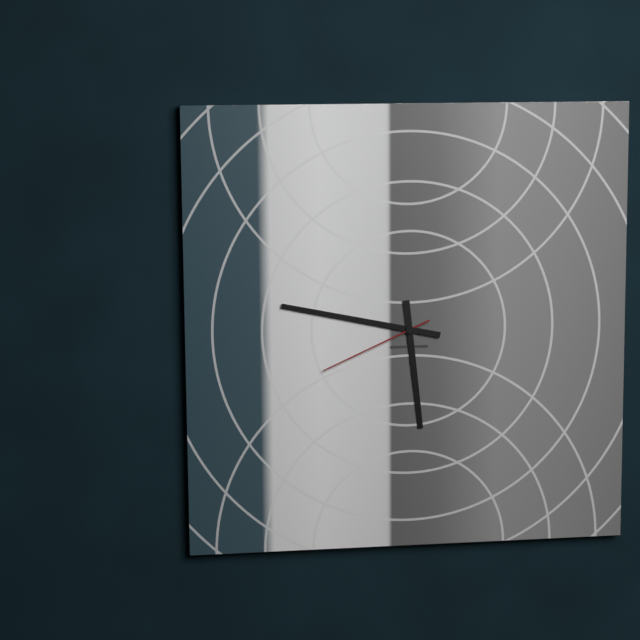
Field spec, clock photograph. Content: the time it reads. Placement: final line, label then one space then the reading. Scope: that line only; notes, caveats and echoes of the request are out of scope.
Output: 5:47:41
